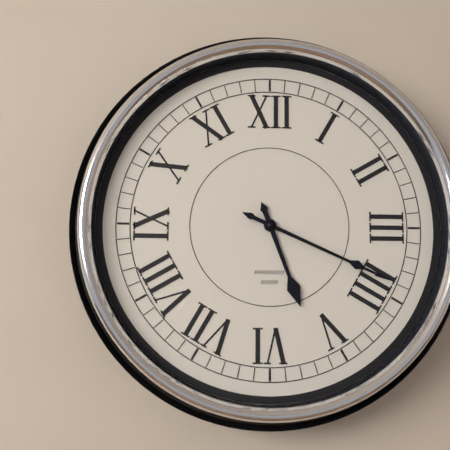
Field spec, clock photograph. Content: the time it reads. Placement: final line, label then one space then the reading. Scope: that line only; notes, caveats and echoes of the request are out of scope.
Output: 5:19
